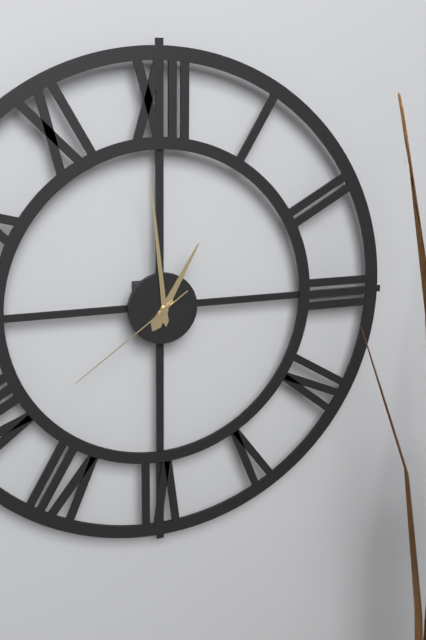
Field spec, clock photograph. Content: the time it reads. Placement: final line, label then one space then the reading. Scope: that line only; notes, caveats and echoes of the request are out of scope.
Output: 12:59:39
